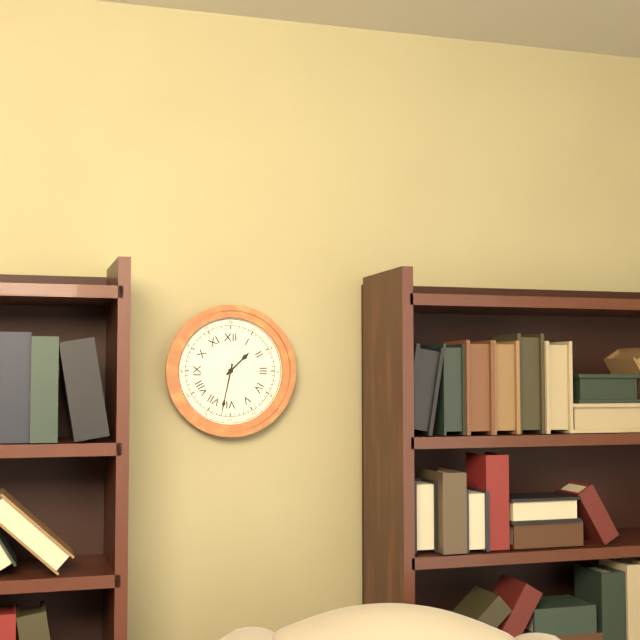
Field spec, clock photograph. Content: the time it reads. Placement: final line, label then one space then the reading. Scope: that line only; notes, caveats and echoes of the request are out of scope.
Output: 1:32
